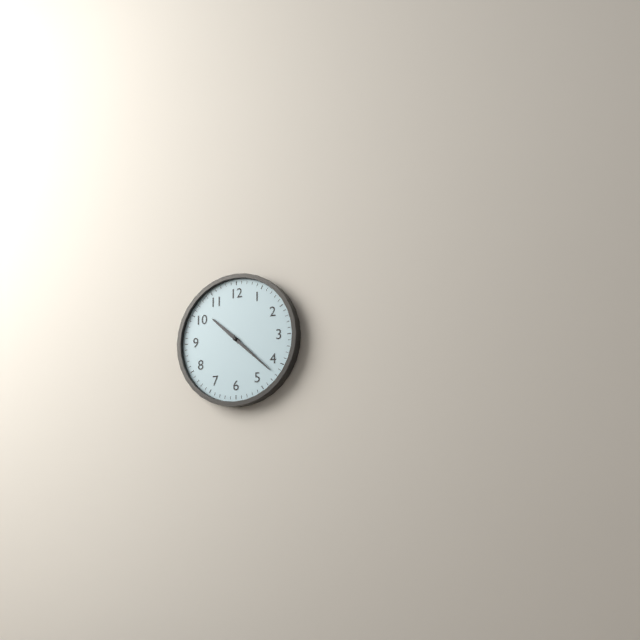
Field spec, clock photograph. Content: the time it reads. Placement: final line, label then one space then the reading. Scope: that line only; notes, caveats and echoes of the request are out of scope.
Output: 10:22
